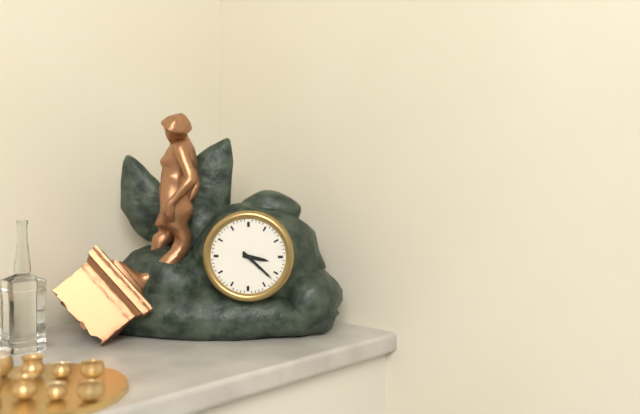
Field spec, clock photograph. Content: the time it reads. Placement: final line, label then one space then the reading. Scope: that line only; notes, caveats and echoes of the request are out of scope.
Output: 3:22
